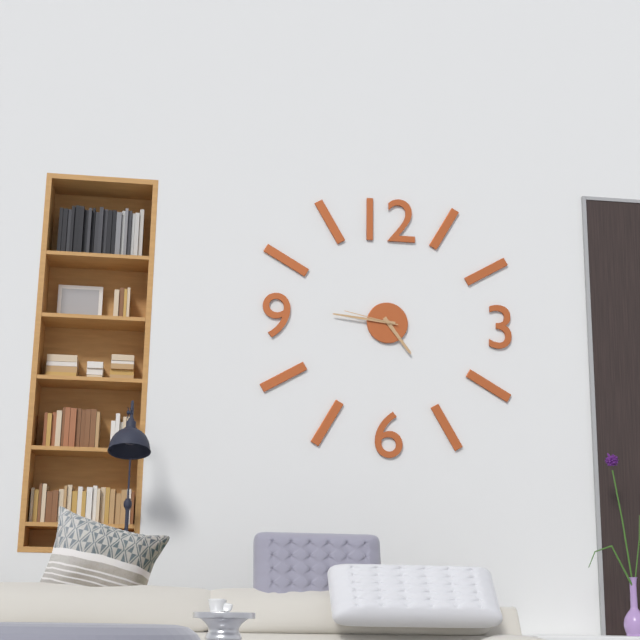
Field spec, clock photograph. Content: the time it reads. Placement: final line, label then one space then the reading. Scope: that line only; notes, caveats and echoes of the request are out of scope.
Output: 4:46:47
